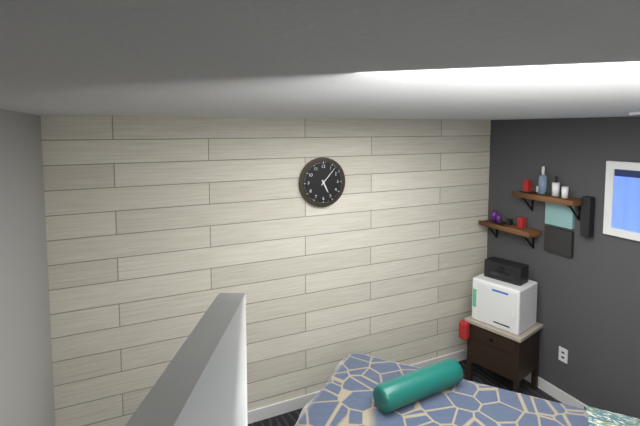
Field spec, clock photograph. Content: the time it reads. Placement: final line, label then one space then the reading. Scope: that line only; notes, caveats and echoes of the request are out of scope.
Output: 5:07
